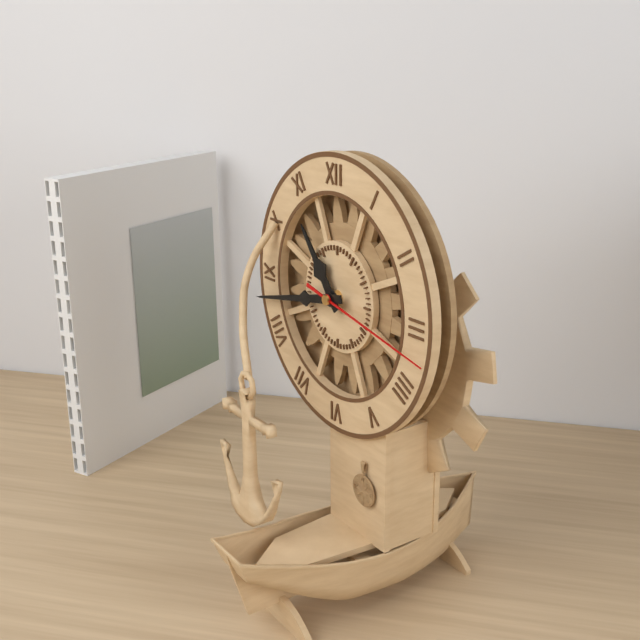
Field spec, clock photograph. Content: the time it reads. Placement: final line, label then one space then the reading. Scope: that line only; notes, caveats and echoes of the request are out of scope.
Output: 10:43:17
